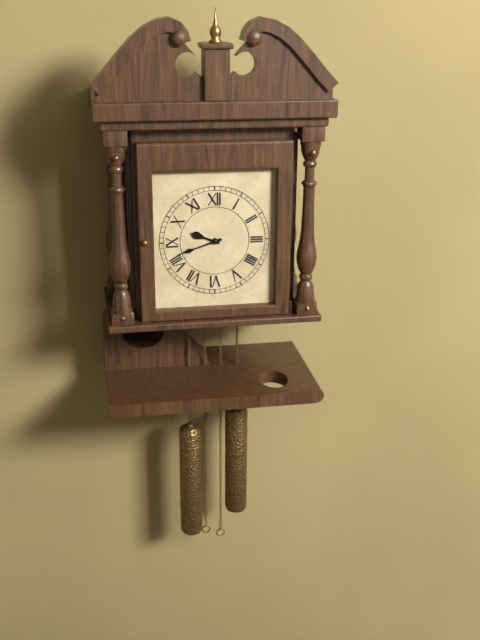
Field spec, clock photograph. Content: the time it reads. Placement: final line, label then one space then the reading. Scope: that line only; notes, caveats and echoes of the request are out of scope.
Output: 9:42
